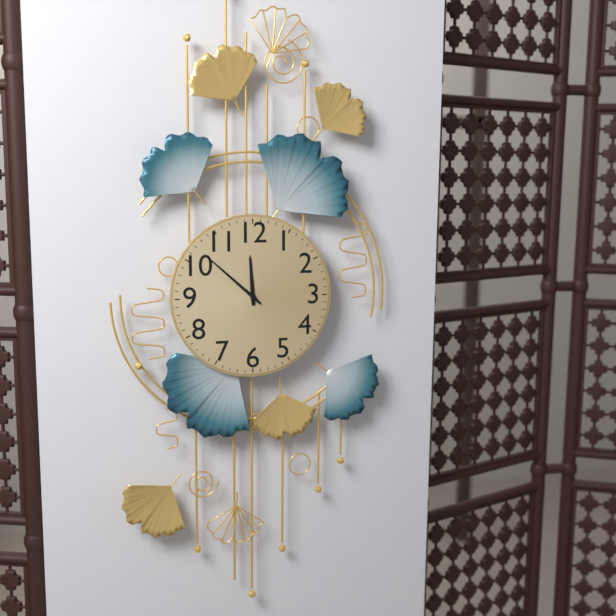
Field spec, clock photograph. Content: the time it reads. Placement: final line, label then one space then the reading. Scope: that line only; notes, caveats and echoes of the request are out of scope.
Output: 11:52
